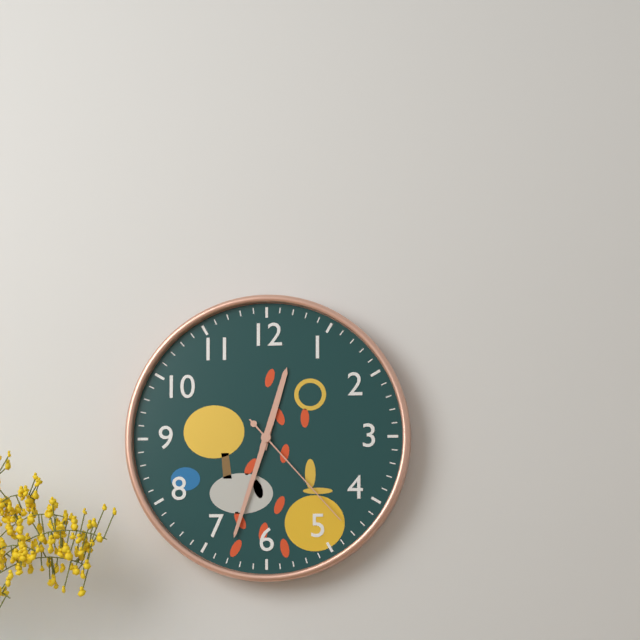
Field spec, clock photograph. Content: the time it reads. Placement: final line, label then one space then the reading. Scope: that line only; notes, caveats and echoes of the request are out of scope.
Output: 12:33:23
